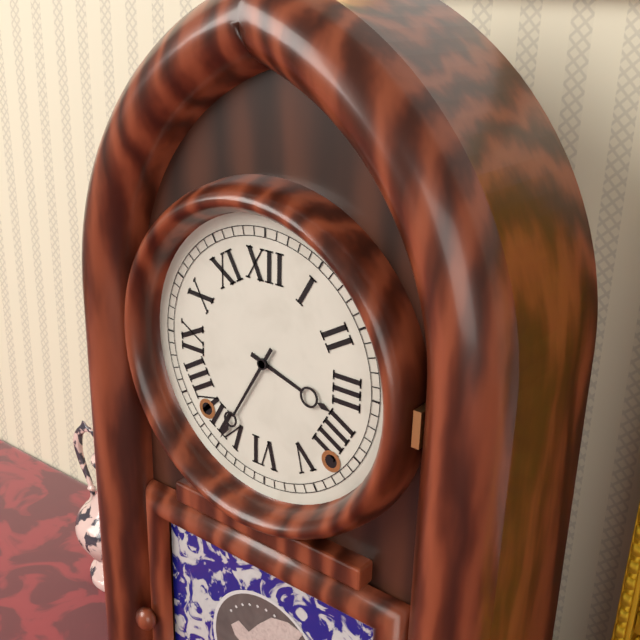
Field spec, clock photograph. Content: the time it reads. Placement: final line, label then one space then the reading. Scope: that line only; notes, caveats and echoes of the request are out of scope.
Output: 3:35
